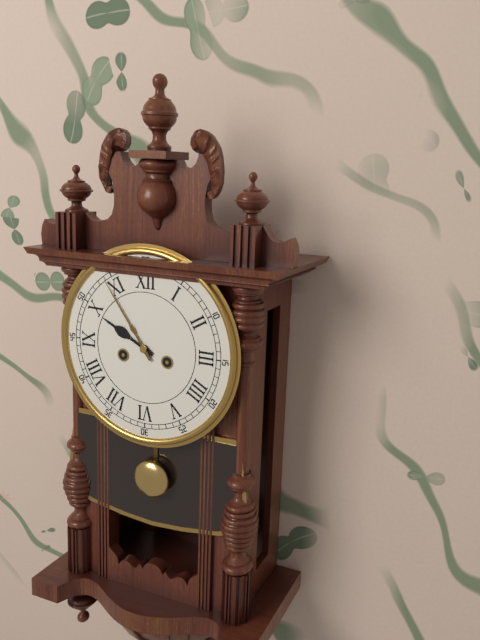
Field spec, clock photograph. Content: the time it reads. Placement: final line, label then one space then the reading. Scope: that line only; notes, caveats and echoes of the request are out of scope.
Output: 9:54
